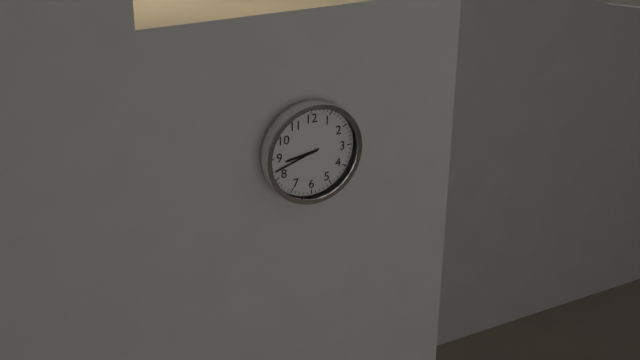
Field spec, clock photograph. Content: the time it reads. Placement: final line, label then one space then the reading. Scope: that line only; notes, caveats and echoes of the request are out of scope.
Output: 8:42
